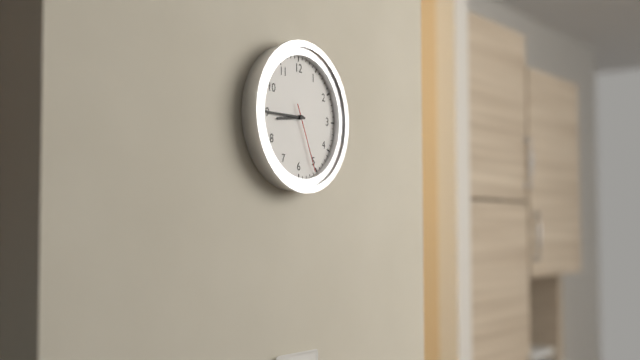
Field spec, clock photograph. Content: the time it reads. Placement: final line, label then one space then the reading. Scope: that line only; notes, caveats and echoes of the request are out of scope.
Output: 8:45:26
